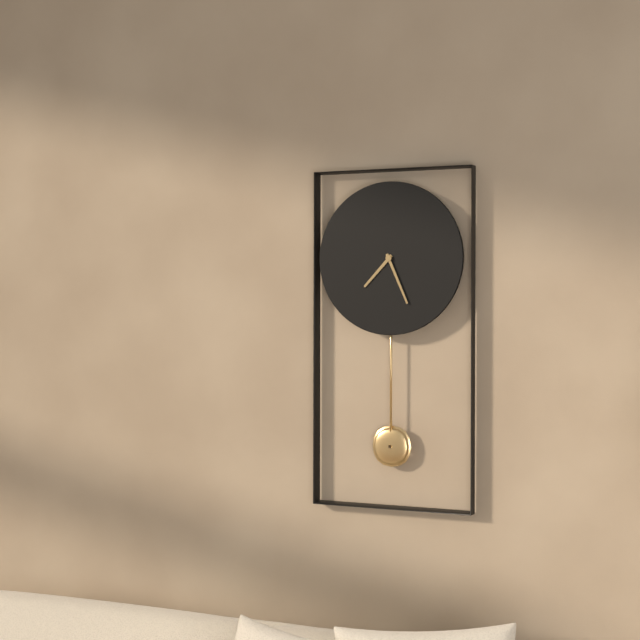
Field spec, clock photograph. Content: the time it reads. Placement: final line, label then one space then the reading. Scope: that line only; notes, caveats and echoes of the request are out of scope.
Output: 7:26
